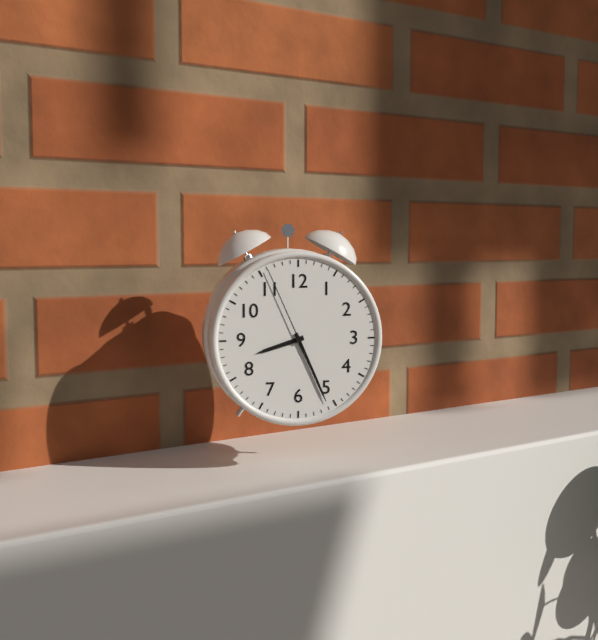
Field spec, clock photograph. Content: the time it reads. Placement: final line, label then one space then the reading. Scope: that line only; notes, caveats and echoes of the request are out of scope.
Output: 8:26:56
